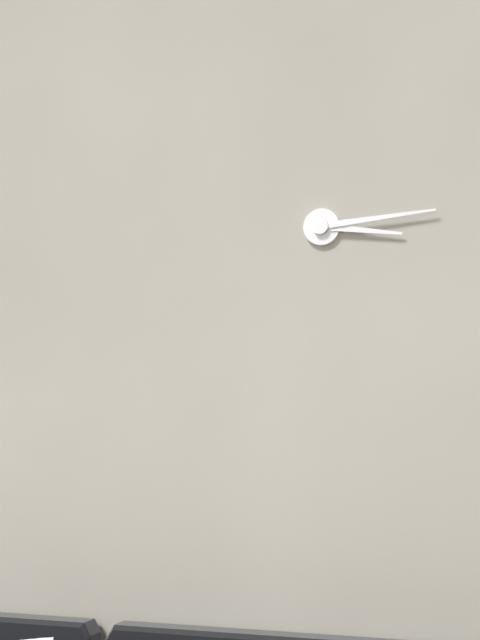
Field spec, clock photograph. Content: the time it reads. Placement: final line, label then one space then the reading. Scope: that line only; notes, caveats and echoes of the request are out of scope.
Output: 3:14
